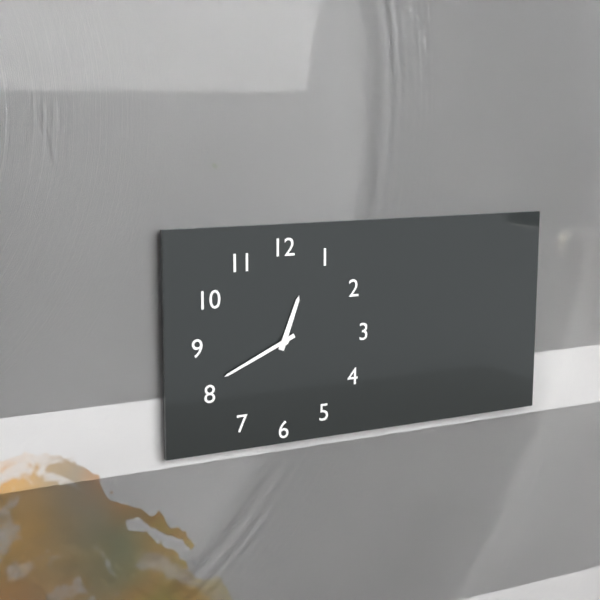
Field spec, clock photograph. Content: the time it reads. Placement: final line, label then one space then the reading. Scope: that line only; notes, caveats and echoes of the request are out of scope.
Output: 12:41
